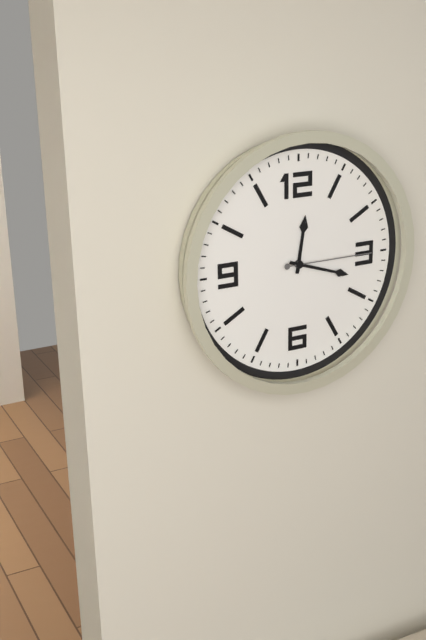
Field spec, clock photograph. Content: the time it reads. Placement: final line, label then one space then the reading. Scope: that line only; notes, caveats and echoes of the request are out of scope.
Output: 12:18:15
